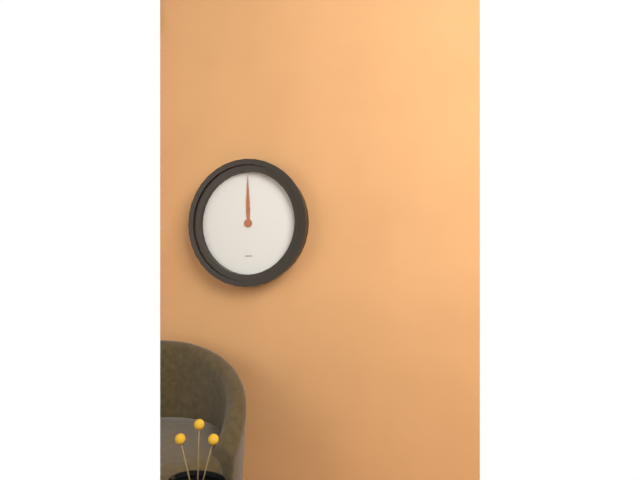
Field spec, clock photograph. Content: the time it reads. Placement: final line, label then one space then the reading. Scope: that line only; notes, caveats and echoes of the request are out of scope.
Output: 12:00
